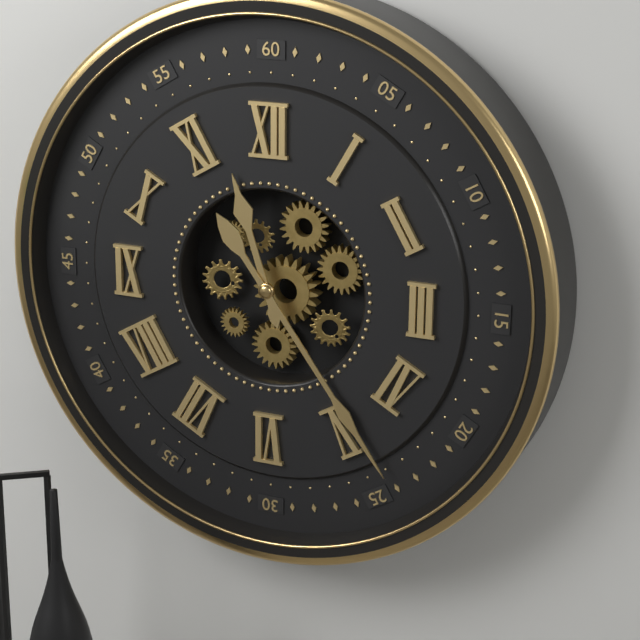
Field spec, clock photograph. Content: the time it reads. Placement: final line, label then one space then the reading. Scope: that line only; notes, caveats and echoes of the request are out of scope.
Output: 11:24
